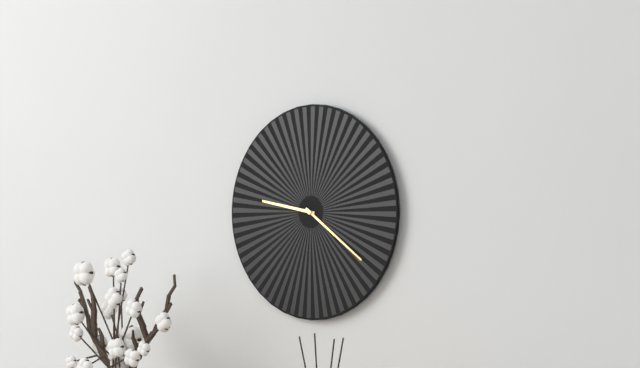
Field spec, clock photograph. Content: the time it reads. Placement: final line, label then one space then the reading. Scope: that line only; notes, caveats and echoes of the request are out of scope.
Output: 9:21
